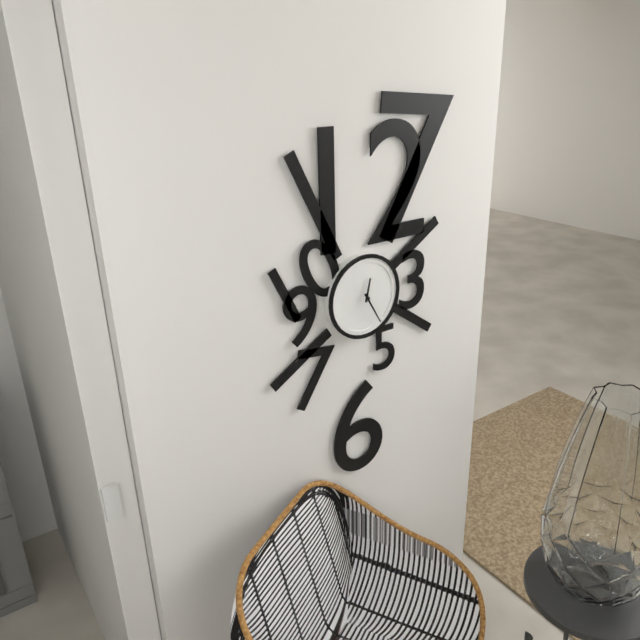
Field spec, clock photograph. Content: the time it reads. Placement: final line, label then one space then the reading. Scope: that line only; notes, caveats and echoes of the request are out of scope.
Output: 12:25
